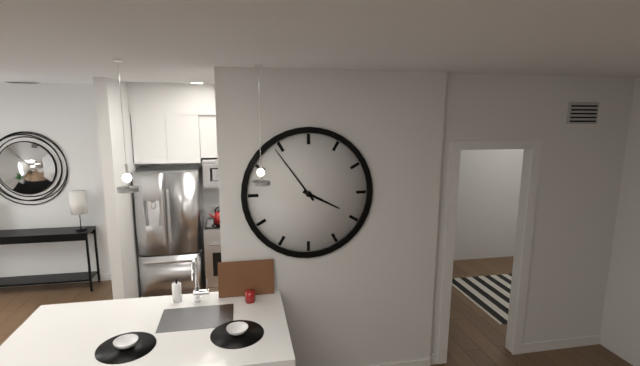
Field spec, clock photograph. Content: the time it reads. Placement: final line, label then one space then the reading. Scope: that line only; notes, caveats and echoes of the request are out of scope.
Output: 3:54
